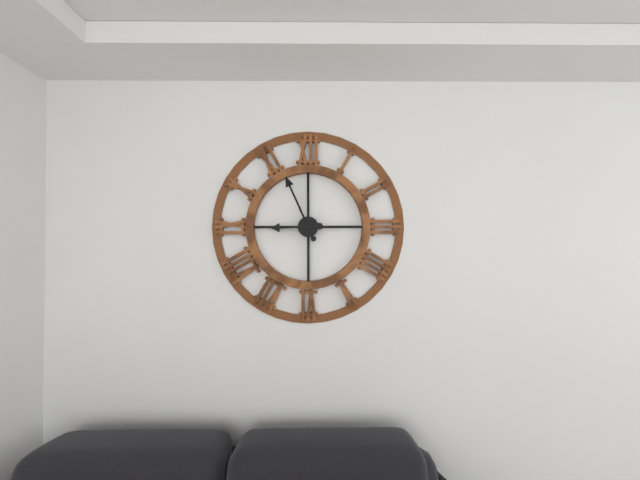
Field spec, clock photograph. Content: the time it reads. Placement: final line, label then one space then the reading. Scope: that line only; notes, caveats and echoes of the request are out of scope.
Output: 8:56
